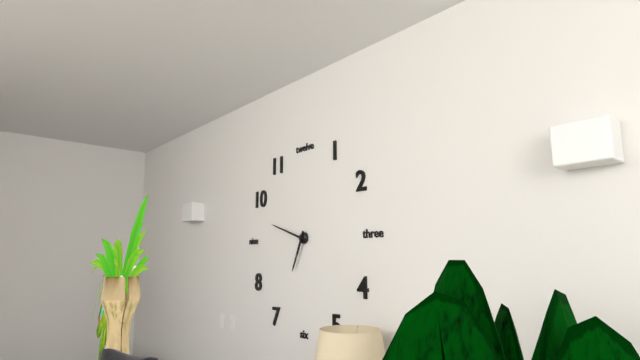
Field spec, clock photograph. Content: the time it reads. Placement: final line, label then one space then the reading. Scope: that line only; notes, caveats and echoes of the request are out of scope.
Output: 6:48
